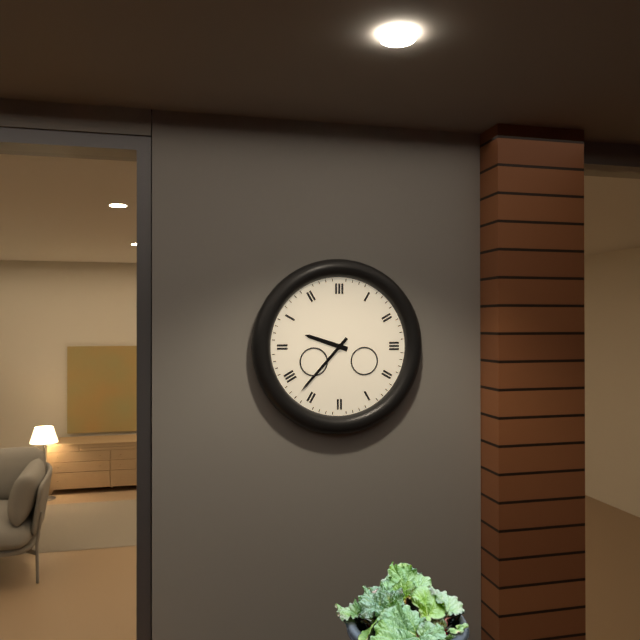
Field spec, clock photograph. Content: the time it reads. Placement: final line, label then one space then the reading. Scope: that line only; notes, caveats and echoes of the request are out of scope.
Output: 9:37
